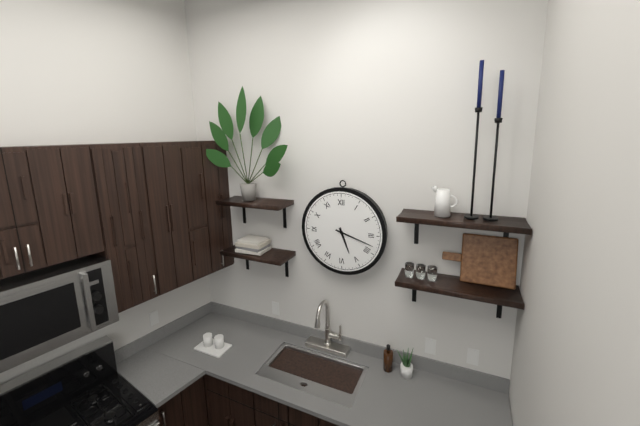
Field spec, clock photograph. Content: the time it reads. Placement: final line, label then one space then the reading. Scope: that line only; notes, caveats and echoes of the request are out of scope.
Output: 5:18
